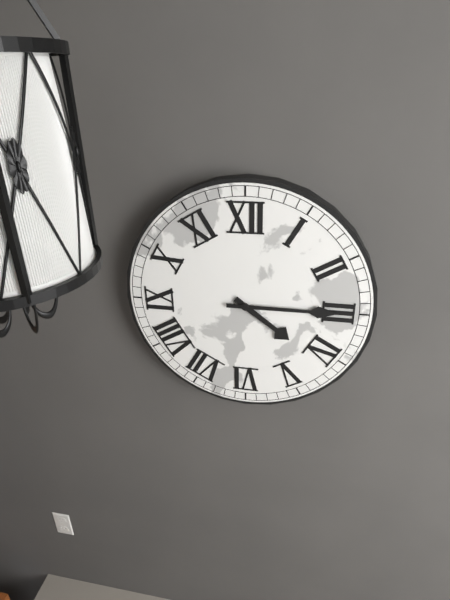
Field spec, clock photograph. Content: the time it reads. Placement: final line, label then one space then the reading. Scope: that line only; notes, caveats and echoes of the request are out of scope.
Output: 4:15
